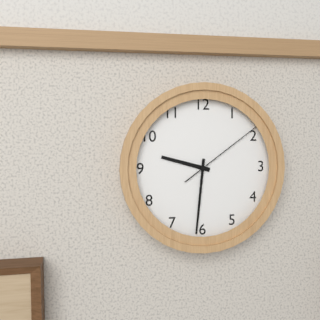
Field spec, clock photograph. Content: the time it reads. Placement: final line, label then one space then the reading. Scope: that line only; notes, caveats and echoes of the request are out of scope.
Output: 9:31:09
